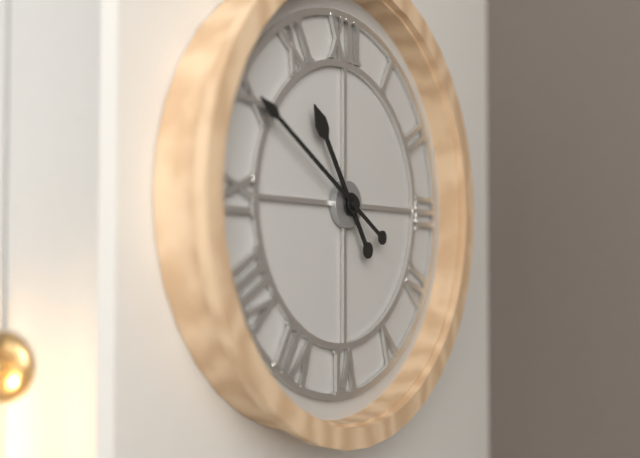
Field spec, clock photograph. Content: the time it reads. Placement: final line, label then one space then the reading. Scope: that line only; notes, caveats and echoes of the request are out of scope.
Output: 10:50
